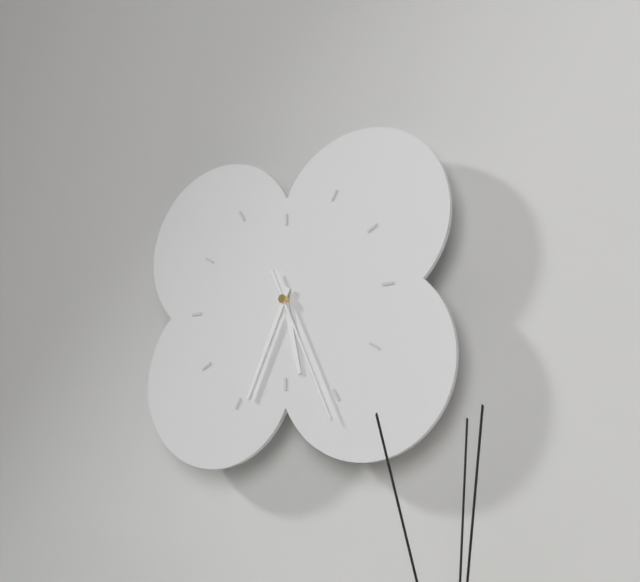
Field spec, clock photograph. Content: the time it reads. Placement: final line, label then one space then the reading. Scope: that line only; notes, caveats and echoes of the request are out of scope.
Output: 5:34:26
